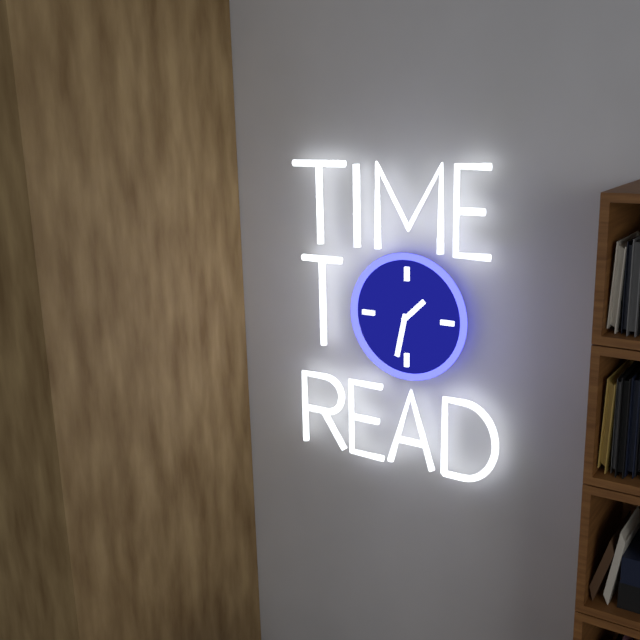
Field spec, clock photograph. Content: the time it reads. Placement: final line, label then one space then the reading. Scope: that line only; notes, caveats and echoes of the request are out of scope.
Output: 1:32
